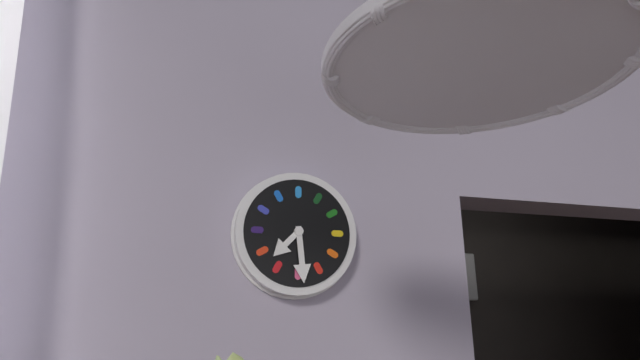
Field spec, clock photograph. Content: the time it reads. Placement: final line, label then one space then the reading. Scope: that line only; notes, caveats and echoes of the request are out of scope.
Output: 7:29
